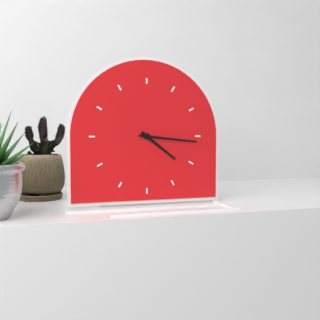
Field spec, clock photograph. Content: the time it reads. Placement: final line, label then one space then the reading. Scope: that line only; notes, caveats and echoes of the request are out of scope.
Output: 4:16
